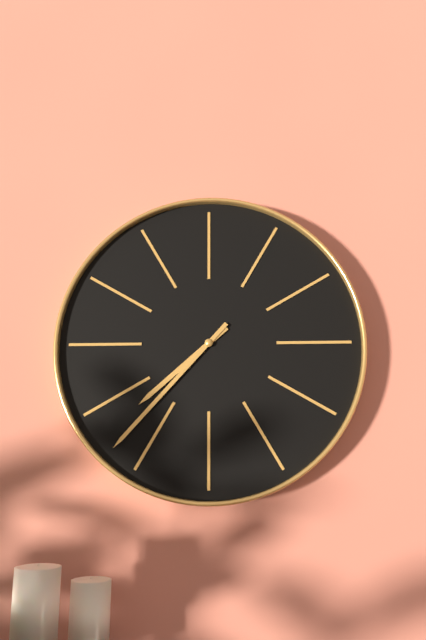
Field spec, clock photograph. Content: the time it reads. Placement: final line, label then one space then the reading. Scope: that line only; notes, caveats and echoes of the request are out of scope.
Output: 7:37
